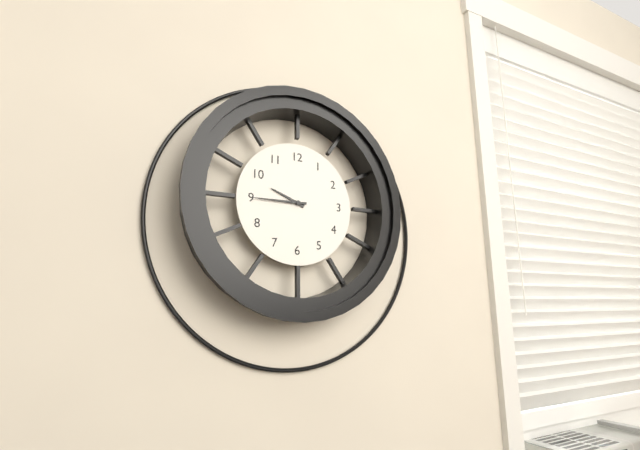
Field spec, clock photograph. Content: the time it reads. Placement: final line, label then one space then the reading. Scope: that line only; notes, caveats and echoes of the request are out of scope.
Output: 9:45
